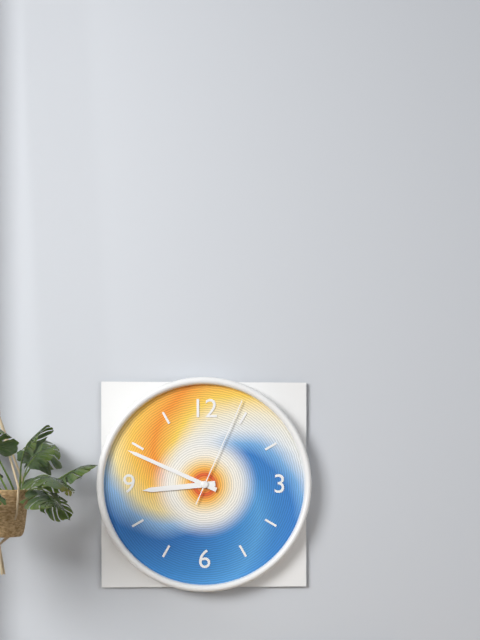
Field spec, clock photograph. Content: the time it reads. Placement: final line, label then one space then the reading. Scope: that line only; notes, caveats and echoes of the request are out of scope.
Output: 8:49:04
